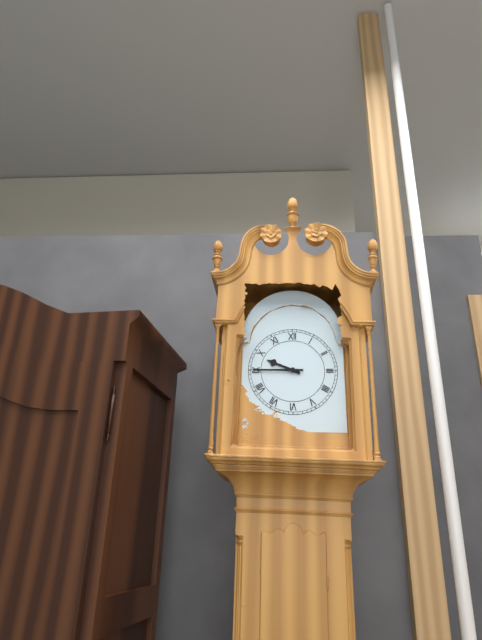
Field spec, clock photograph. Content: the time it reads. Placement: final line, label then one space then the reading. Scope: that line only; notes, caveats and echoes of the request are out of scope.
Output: 9:45
